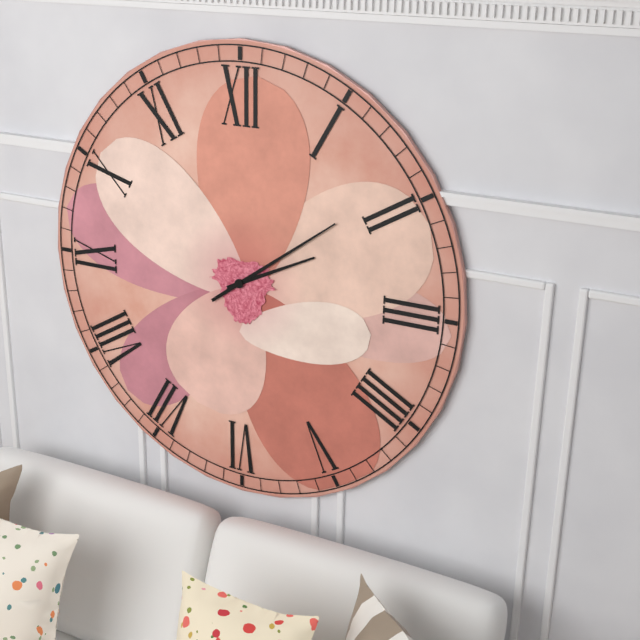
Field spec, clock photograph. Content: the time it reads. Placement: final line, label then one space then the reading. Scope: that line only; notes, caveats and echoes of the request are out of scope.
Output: 2:09
